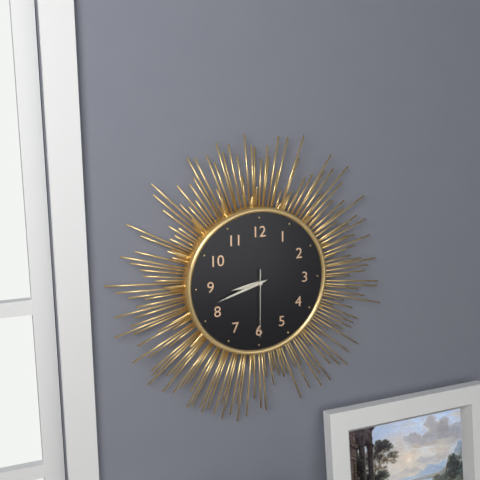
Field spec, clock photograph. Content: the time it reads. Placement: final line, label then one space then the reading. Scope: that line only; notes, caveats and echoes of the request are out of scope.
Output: 8:42:30
